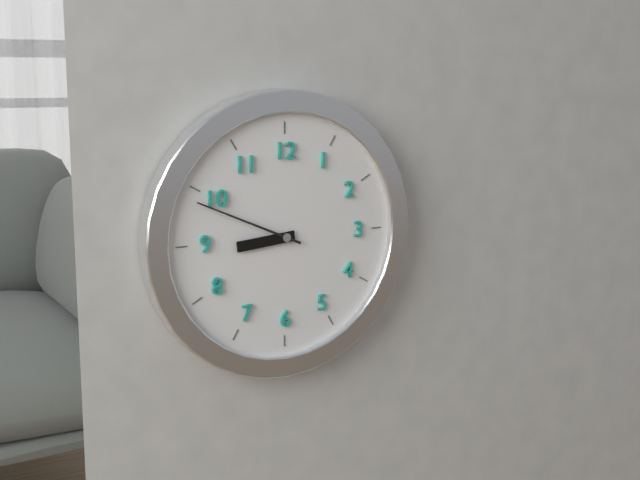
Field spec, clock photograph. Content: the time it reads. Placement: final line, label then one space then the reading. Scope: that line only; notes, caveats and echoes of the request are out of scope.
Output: 8:49
